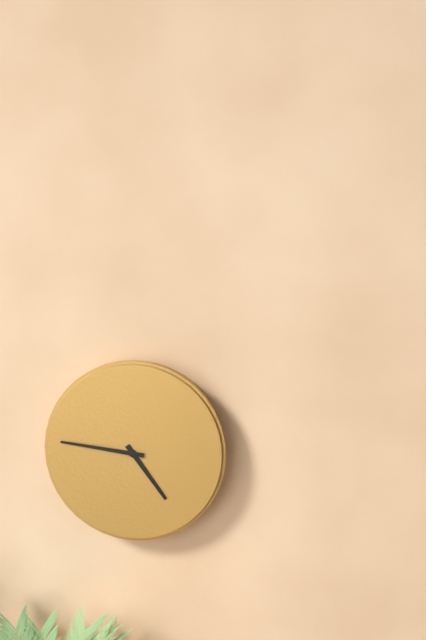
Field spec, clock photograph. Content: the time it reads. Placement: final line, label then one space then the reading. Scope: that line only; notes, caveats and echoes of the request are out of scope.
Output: 4:46
